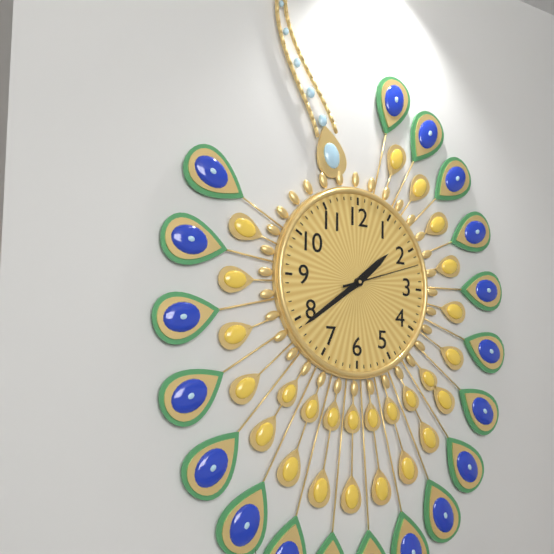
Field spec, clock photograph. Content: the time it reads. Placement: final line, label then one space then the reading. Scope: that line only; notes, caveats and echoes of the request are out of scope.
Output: 1:39:12
